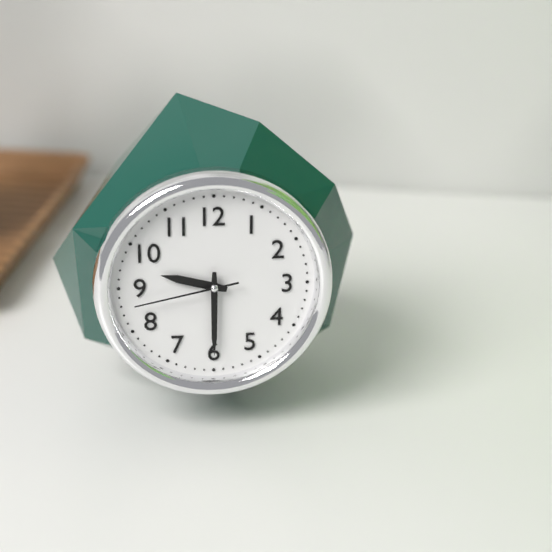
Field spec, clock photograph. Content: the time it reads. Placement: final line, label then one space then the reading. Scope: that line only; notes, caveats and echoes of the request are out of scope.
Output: 9:30:43
